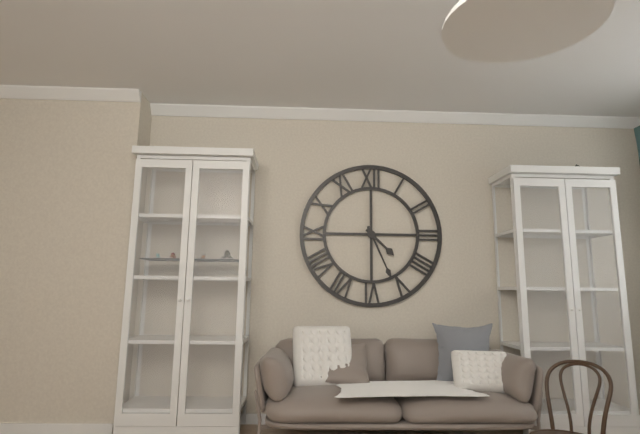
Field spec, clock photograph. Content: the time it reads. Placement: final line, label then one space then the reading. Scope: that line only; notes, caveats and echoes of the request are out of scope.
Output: 4:26
